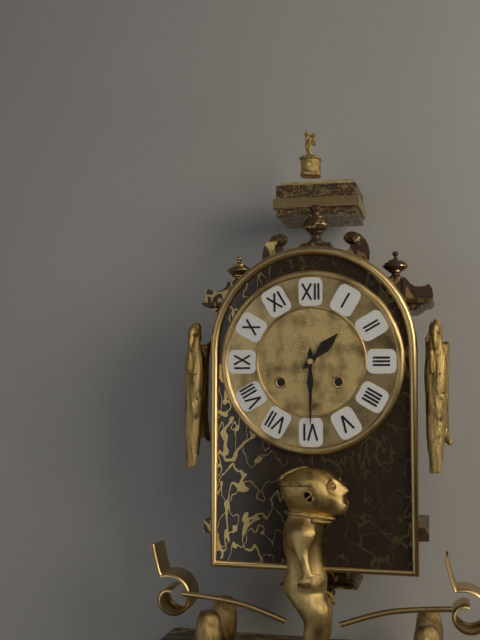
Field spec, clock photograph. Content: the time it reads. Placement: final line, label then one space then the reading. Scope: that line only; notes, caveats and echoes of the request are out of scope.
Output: 1:30
